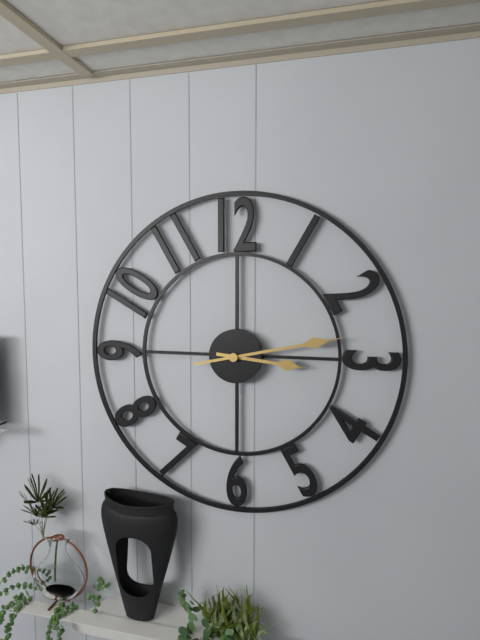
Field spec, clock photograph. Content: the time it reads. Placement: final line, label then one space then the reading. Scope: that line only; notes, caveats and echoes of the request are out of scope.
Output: 3:13
